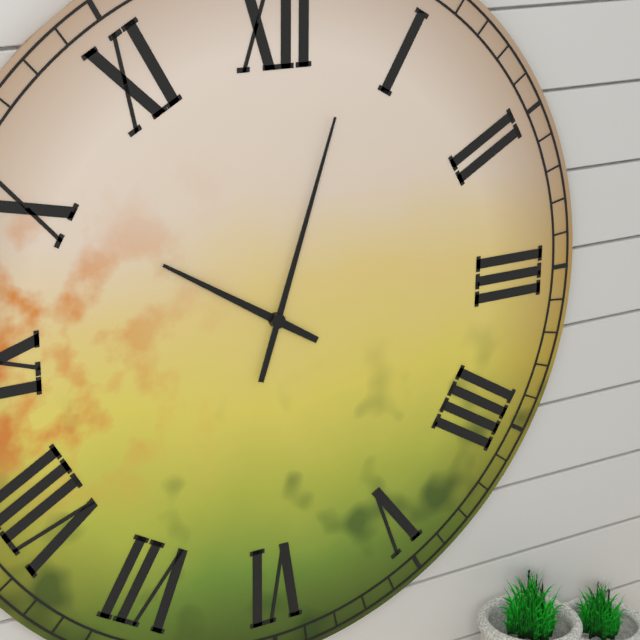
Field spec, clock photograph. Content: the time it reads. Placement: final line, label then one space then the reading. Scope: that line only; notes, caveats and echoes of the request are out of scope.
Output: 10:03
